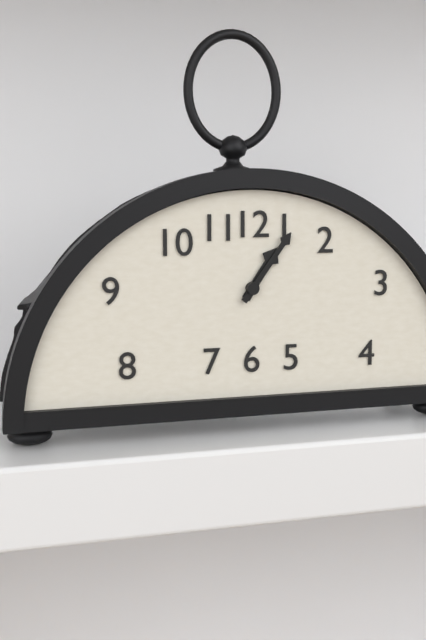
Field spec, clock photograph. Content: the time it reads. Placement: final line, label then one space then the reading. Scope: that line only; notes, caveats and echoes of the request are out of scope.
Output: 1:06
